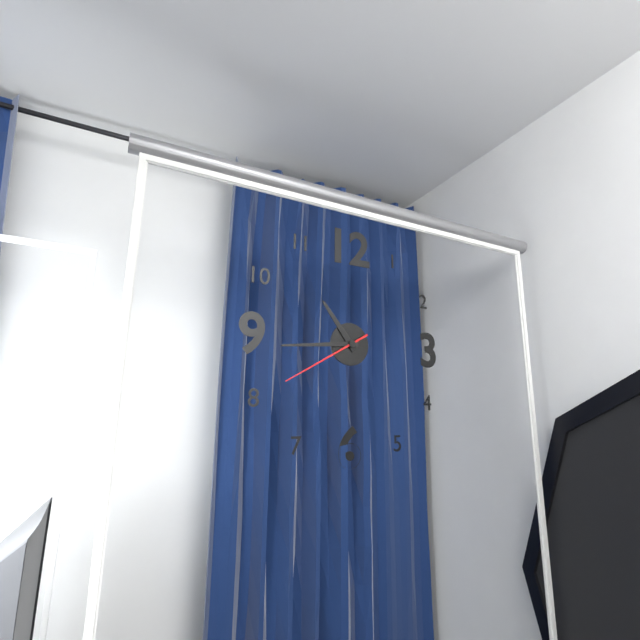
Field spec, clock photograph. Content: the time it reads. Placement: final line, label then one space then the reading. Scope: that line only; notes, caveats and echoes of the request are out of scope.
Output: 10:44:40
